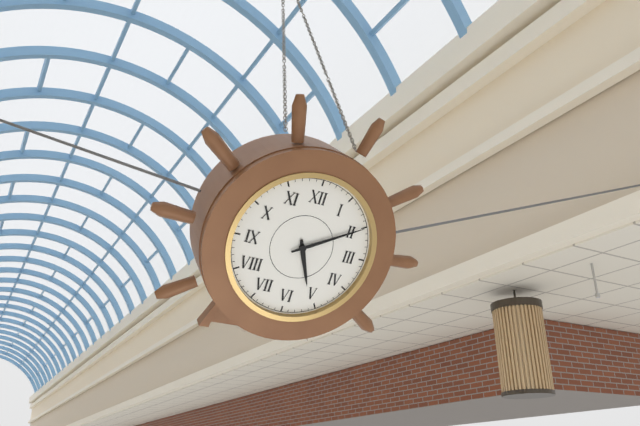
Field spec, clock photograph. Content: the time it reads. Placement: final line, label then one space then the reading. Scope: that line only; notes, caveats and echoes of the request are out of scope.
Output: 5:10
